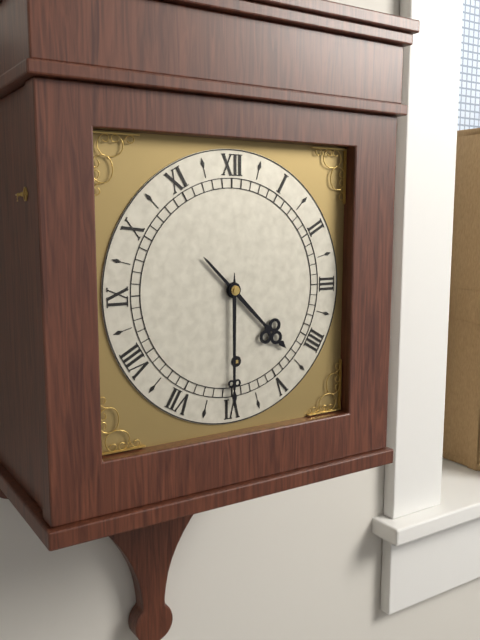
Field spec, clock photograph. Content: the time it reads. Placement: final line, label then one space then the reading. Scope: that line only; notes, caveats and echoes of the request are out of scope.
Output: 4:30
